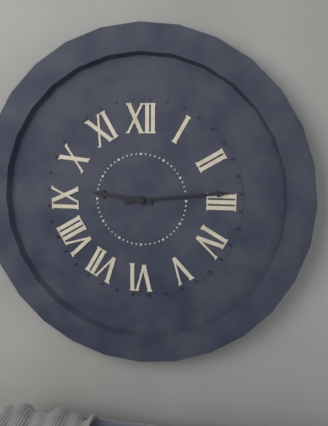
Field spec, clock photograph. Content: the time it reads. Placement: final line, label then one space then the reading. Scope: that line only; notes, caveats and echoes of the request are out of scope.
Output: 9:14
